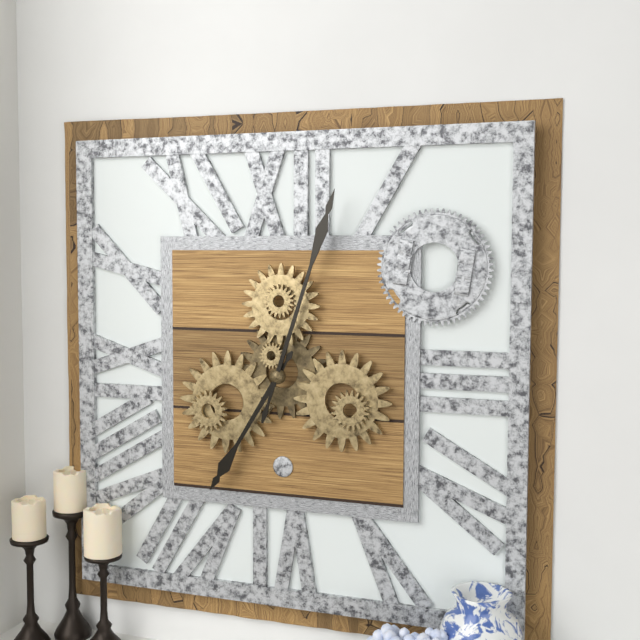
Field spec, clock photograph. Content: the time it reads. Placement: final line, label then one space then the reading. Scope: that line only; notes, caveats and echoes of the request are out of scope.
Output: 7:03
